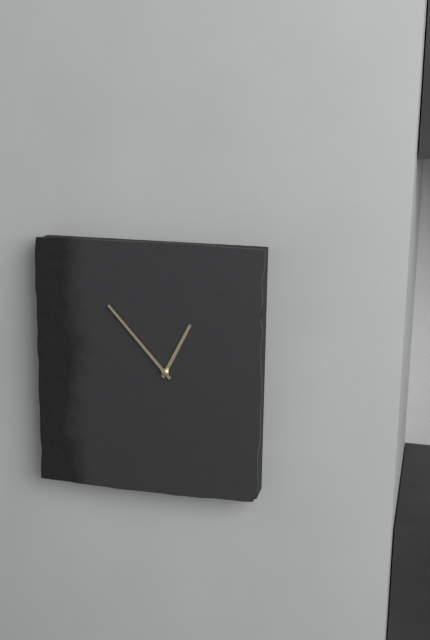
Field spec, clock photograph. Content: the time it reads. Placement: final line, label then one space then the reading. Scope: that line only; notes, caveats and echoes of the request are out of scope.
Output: 12:53
